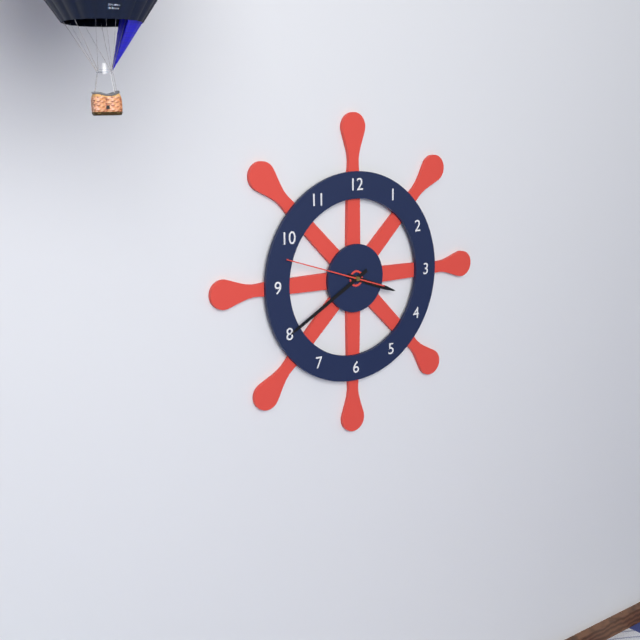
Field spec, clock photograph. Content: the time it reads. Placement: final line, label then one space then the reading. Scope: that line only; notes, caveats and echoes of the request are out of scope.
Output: 3:40:48
